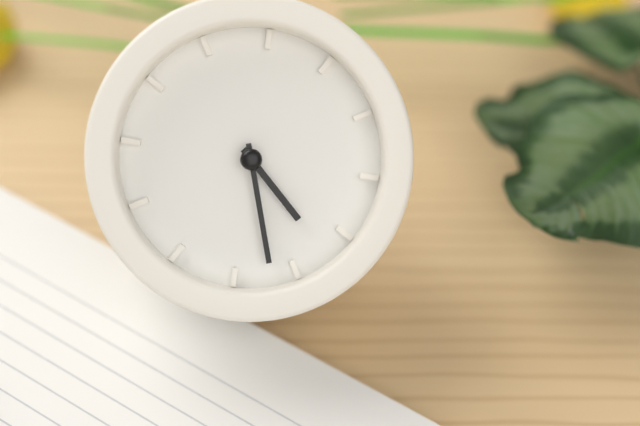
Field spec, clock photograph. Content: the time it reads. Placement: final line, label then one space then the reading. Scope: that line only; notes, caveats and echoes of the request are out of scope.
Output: 4:27
